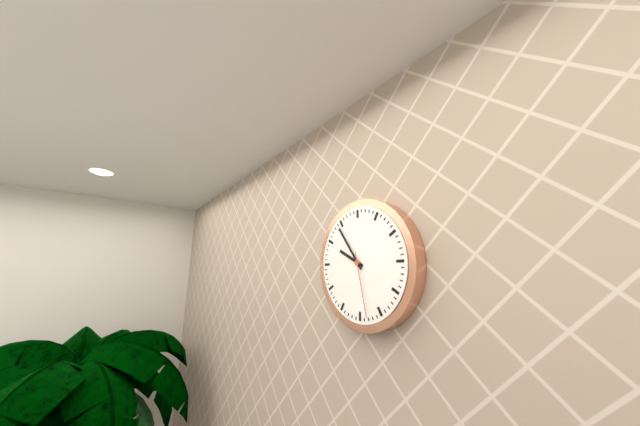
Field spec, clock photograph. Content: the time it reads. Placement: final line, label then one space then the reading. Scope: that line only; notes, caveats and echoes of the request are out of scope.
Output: 9:54:28
